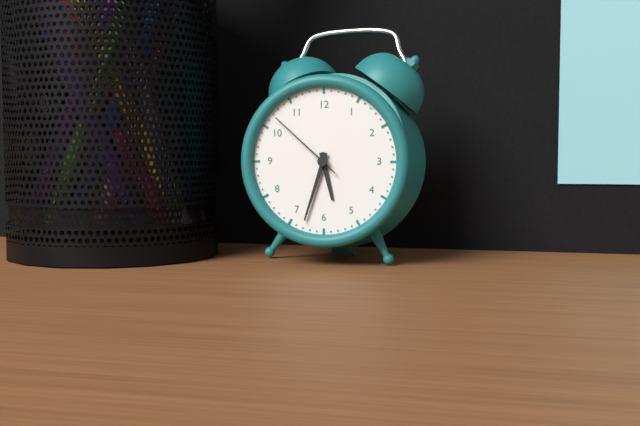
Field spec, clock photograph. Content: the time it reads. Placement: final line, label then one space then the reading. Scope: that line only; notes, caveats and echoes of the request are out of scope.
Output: 5:33:52
